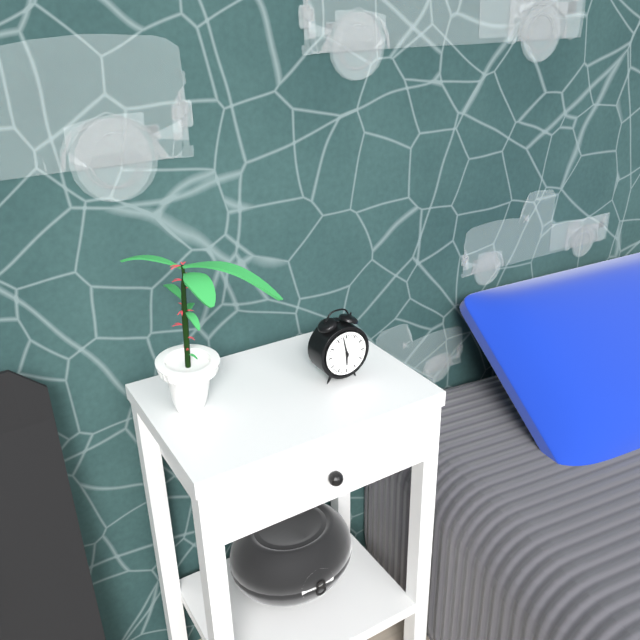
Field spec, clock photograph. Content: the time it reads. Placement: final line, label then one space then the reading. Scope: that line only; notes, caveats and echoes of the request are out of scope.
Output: 5:58
